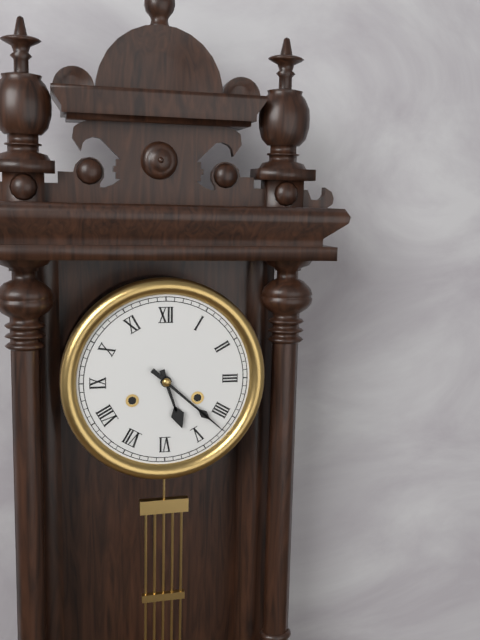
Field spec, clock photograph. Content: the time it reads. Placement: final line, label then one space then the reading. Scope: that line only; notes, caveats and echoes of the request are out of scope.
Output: 5:22
